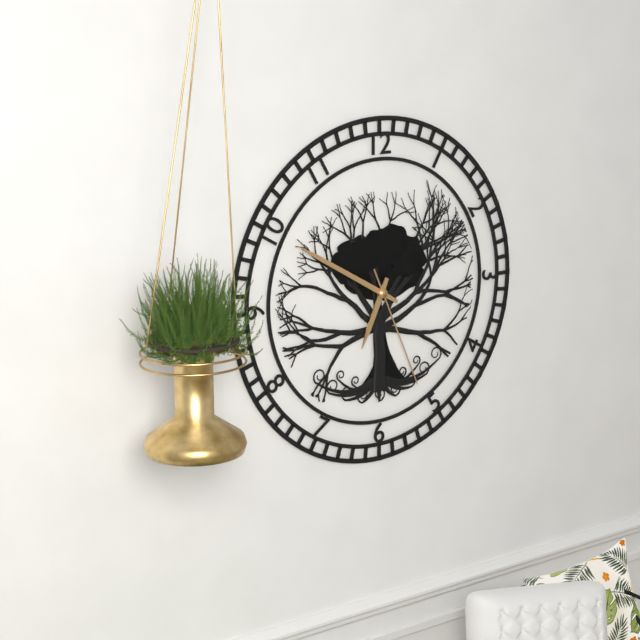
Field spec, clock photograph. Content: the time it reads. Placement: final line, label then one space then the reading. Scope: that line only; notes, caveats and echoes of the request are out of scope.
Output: 6:50:26
